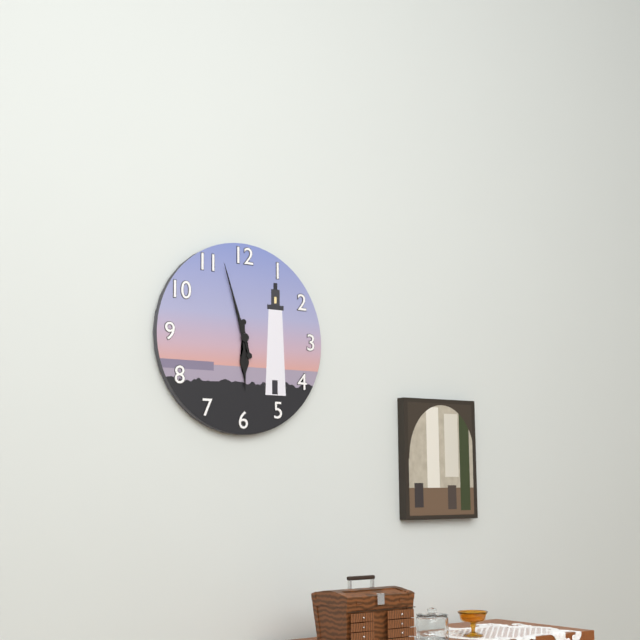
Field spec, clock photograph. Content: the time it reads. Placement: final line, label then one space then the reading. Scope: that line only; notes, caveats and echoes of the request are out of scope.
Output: 5:57
